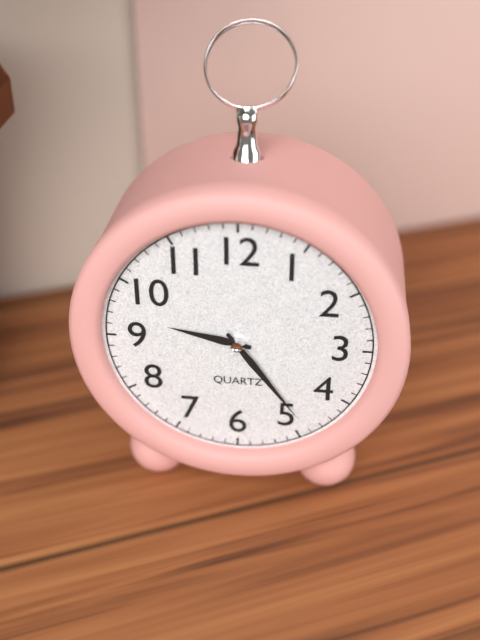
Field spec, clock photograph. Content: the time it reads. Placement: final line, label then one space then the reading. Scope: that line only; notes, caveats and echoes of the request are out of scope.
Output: 9:24
